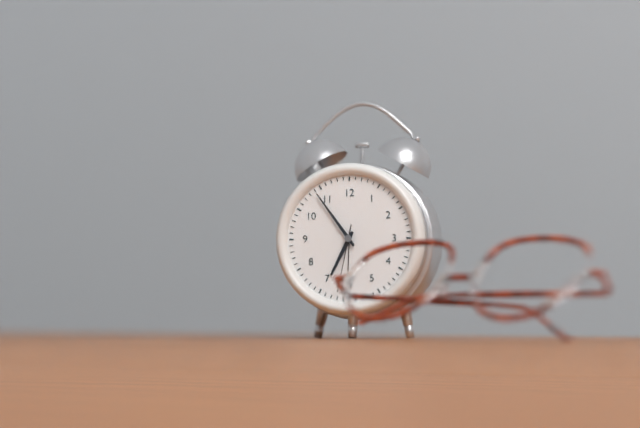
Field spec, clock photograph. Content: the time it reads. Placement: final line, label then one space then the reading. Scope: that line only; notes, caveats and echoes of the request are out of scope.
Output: 6:54:32
